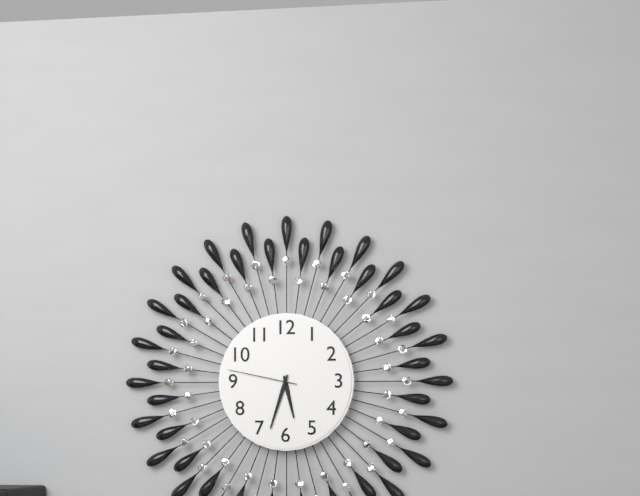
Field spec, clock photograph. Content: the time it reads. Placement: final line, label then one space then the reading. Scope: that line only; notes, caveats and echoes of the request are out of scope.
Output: 5:33:47
